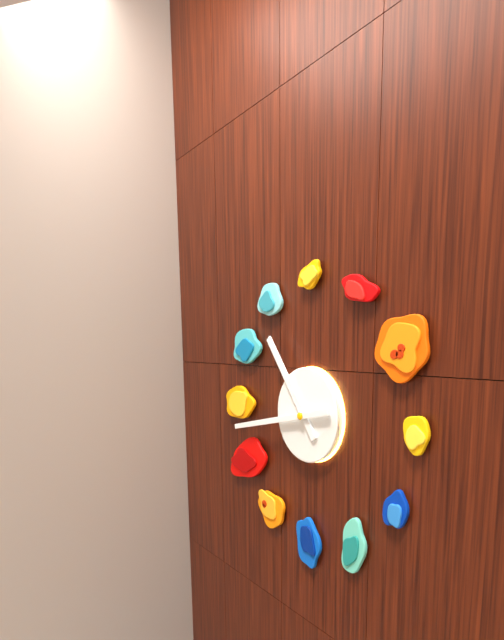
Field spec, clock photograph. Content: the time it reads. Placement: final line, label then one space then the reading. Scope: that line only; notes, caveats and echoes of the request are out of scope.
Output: 10:43
